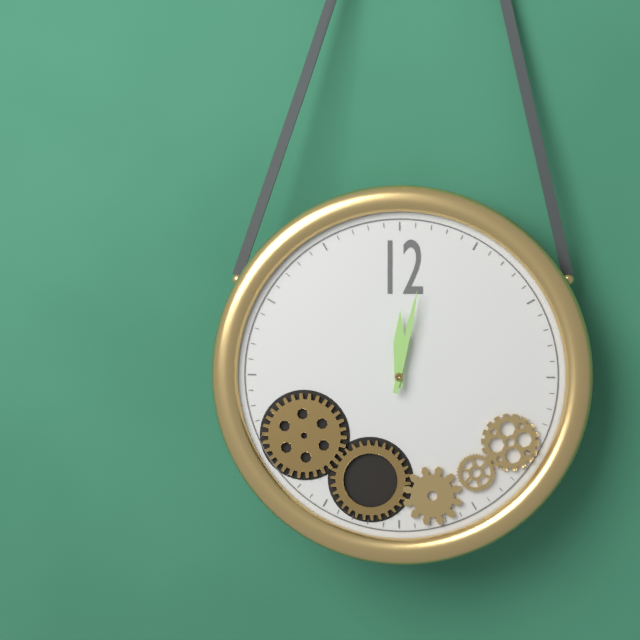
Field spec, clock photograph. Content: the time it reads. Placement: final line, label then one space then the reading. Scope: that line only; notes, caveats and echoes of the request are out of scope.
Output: 12:02
